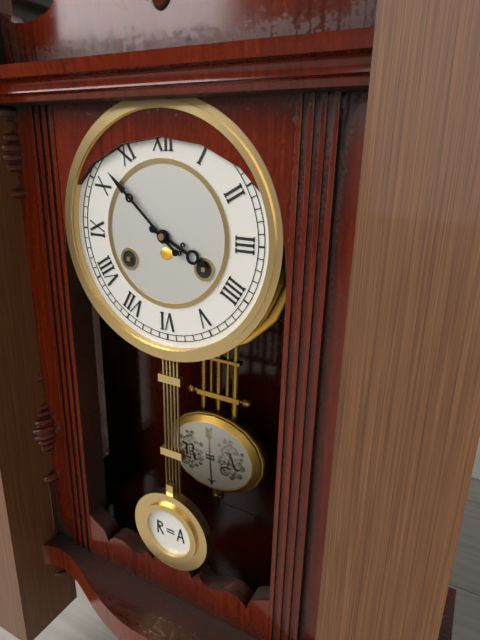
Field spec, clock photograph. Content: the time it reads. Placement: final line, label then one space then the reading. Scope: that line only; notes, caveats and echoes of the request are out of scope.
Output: 3:52
